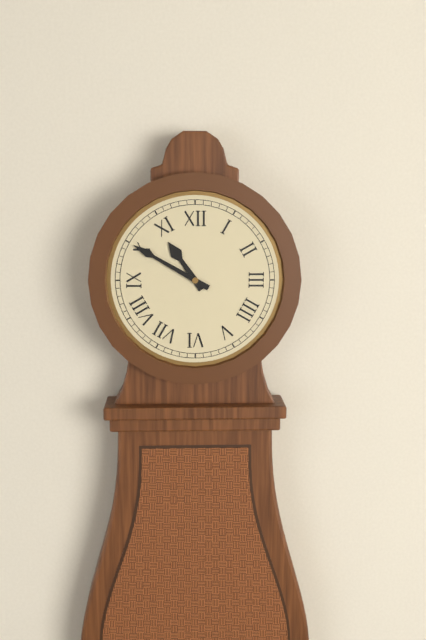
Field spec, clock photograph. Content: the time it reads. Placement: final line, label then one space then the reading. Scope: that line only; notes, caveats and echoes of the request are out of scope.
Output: 10:50
